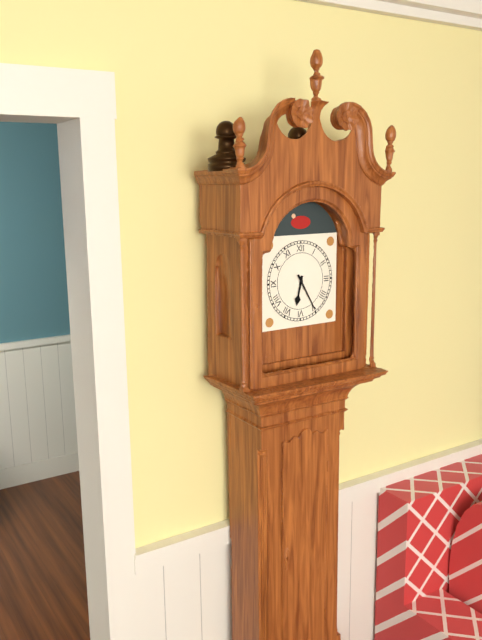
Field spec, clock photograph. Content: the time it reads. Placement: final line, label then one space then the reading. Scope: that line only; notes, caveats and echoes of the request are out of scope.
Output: 6:25
